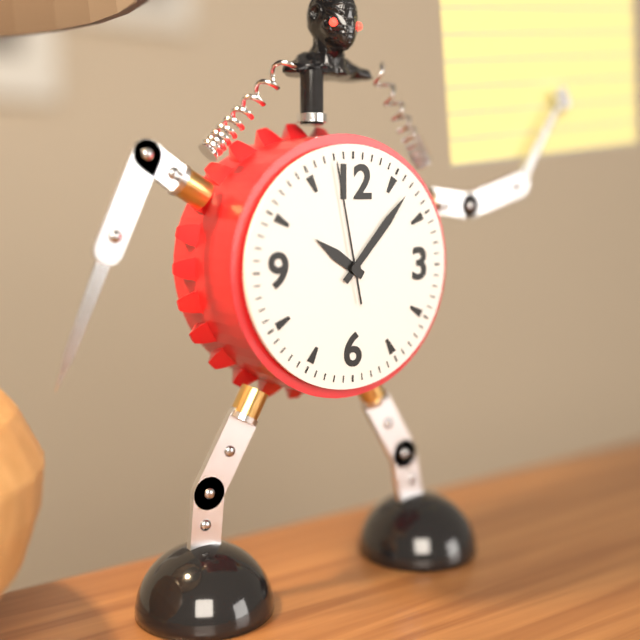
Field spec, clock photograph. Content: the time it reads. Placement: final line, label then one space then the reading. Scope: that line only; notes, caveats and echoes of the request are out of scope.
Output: 10:07:58
